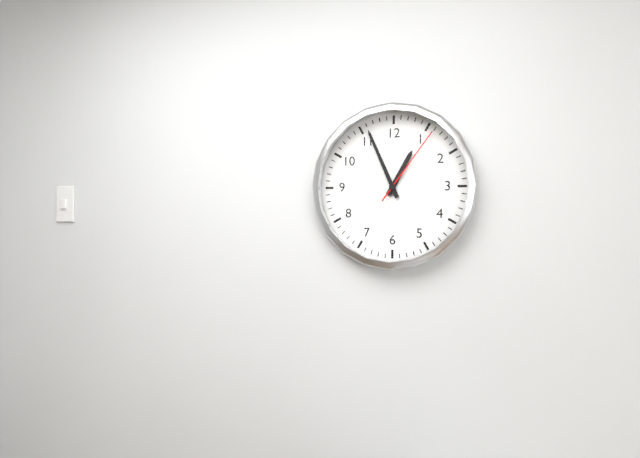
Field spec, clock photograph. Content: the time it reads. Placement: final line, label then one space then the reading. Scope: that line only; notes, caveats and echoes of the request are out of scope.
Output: 12:56:06
